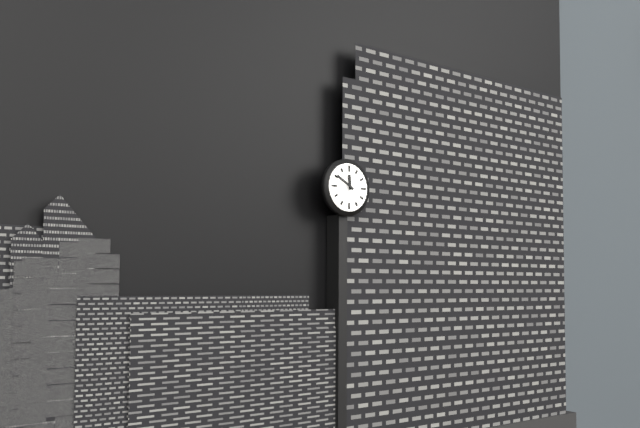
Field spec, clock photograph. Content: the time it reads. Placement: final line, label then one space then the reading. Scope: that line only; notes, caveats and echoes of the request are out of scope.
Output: 11:50
